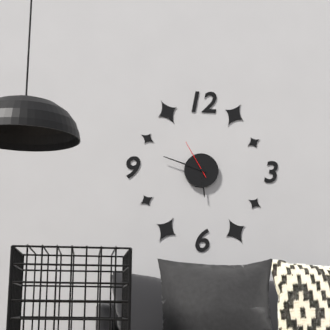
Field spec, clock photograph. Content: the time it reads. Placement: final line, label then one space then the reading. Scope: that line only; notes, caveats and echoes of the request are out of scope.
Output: 5:48
